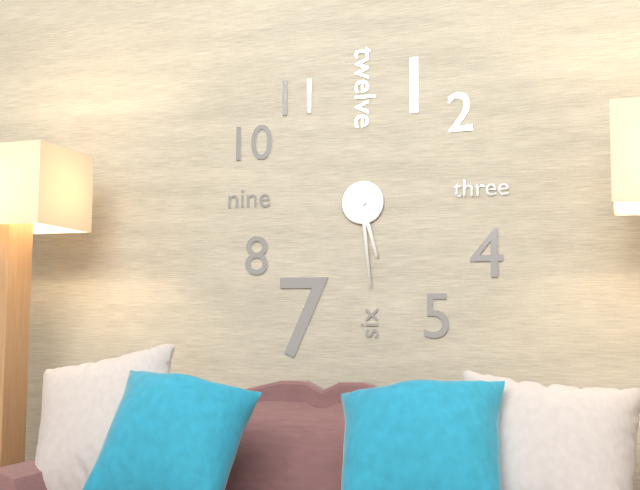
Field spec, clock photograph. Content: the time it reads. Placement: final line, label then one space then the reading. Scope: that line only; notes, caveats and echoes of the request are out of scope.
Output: 5:29
